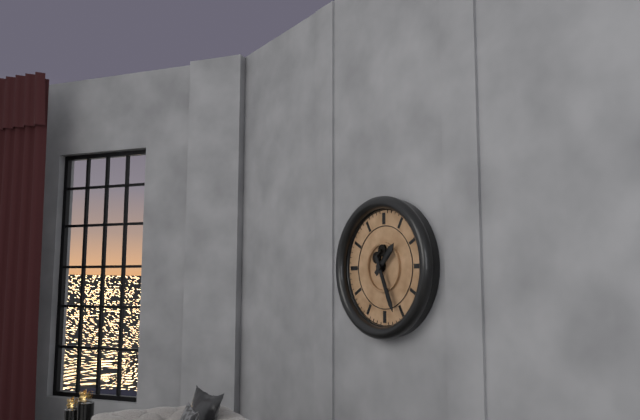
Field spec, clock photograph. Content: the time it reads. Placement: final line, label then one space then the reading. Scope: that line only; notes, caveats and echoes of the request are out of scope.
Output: 1:26
